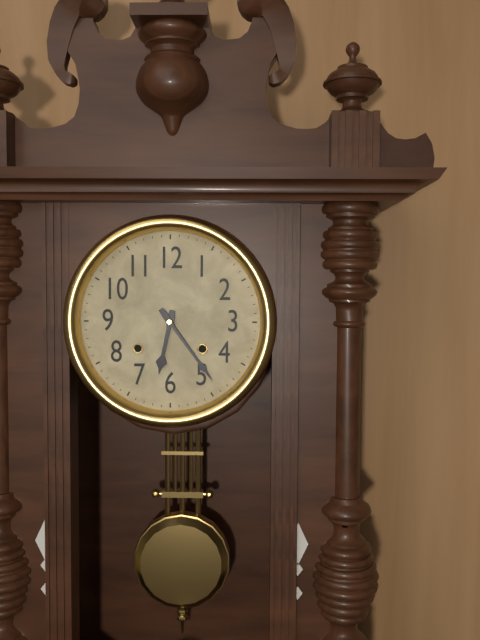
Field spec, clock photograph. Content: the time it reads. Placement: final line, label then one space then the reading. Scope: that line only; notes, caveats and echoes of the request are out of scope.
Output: 6:24
